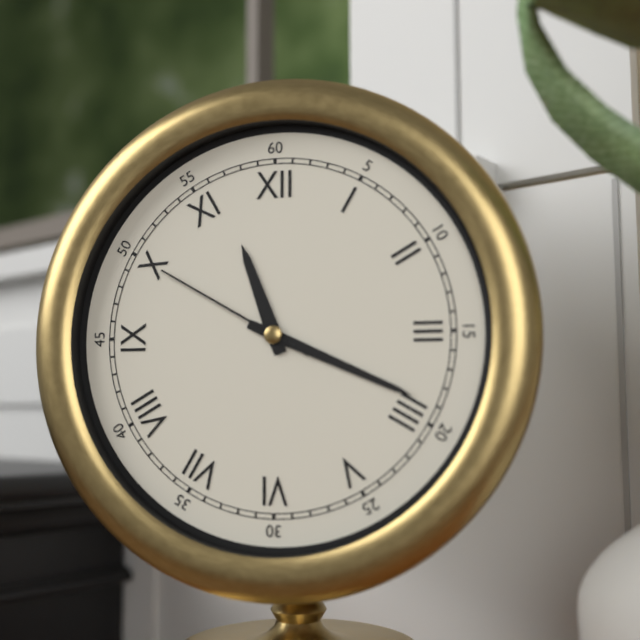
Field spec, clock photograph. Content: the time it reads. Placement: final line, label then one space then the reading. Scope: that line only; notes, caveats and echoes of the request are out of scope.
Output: 11:19:50
